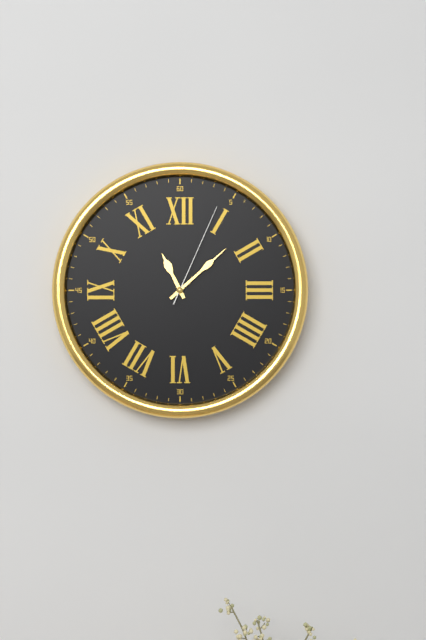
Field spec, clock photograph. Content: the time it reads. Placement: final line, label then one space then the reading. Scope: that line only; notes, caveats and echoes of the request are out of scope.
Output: 11:08:04
